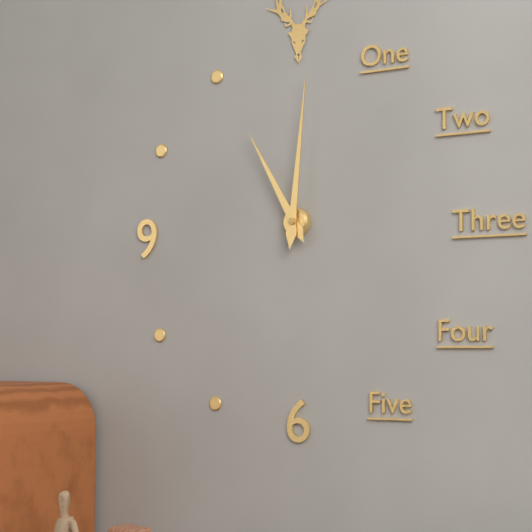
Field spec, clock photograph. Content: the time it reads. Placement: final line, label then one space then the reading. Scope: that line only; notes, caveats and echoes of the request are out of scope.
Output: 11:01
